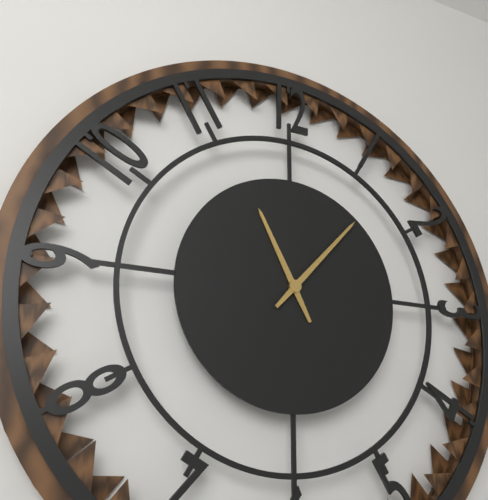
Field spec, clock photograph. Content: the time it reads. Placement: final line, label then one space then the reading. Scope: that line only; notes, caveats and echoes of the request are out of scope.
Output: 11:07
